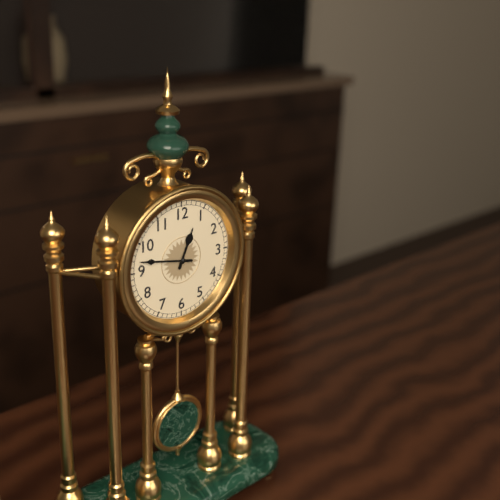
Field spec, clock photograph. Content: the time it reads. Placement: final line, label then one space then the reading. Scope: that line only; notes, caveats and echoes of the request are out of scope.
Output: 12:47
